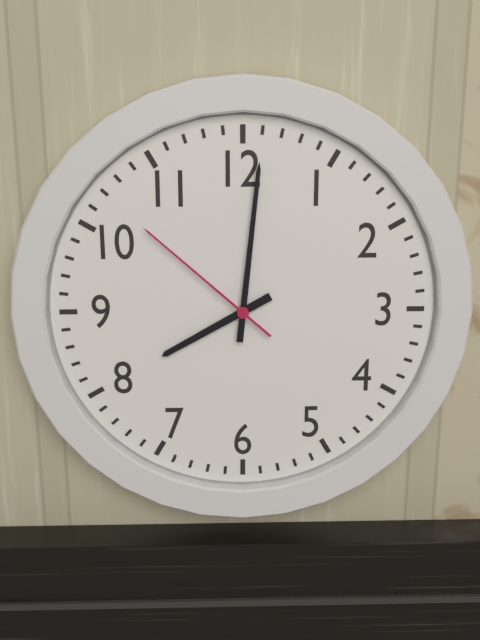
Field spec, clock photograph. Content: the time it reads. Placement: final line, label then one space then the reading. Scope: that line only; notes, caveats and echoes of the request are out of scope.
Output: 8:01:52
